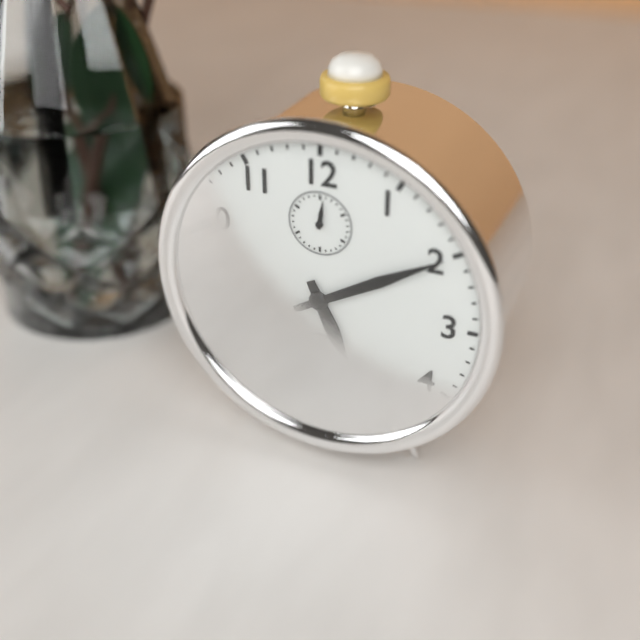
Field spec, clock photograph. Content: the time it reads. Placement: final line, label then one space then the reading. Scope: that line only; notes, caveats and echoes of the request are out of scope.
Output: 5:10
